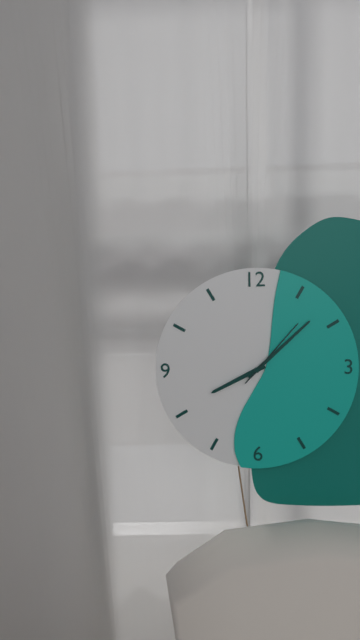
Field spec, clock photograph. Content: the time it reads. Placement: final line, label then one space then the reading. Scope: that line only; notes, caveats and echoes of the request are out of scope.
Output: 8:08:07
